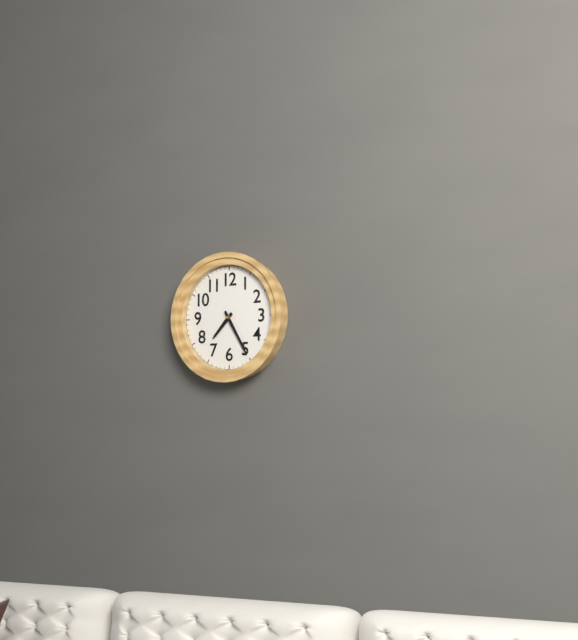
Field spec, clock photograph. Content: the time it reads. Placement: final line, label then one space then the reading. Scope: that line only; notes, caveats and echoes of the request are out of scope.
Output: 7:25
